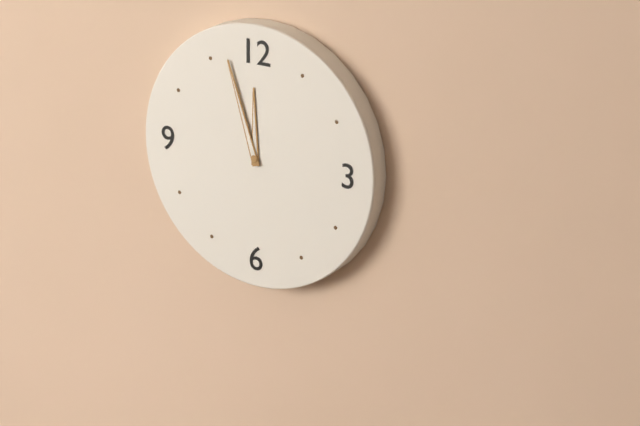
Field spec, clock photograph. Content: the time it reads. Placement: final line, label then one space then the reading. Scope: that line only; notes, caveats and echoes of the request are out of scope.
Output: 11:57
